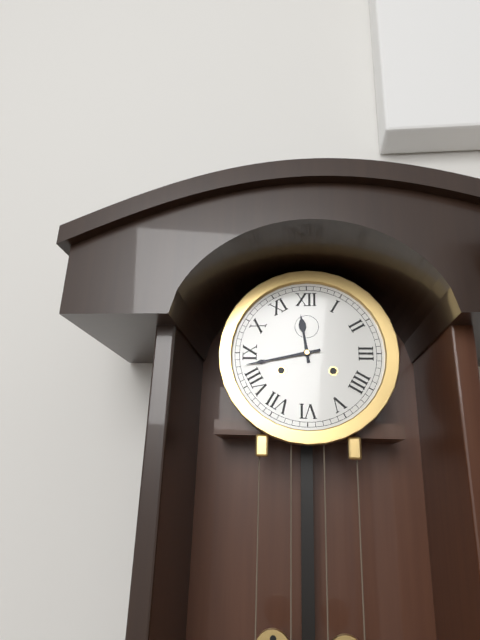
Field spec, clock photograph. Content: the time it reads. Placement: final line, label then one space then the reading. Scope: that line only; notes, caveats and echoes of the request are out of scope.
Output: 11:43
